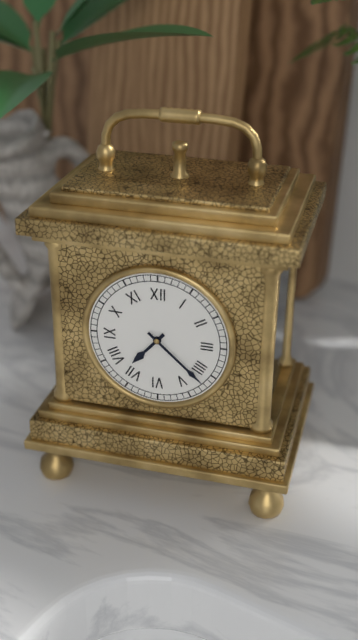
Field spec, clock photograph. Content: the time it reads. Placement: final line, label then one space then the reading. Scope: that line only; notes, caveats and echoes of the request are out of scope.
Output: 7:22
